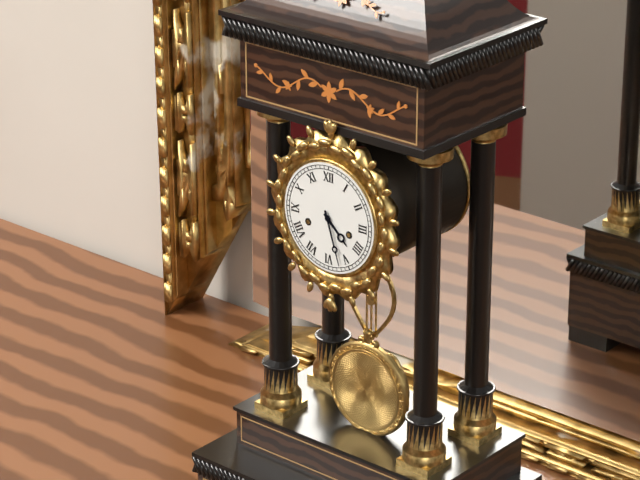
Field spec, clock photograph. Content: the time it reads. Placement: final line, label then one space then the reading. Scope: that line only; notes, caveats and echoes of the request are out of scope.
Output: 4:27
